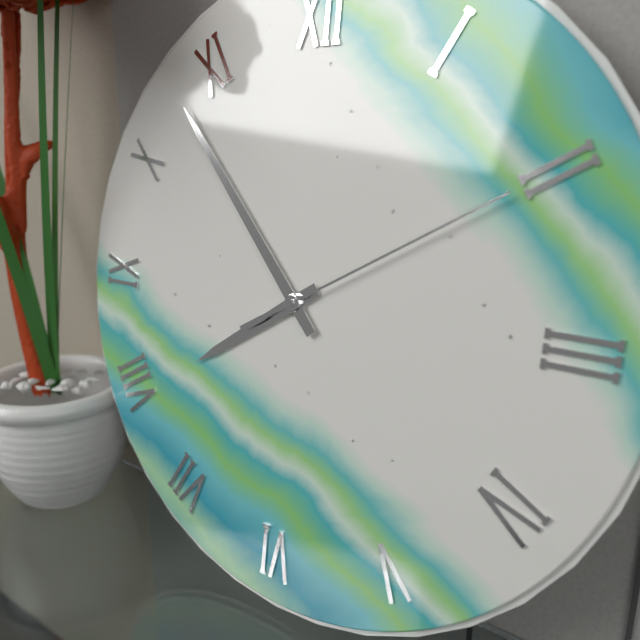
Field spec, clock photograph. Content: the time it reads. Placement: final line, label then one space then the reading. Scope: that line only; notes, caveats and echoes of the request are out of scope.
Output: 7:53:10
